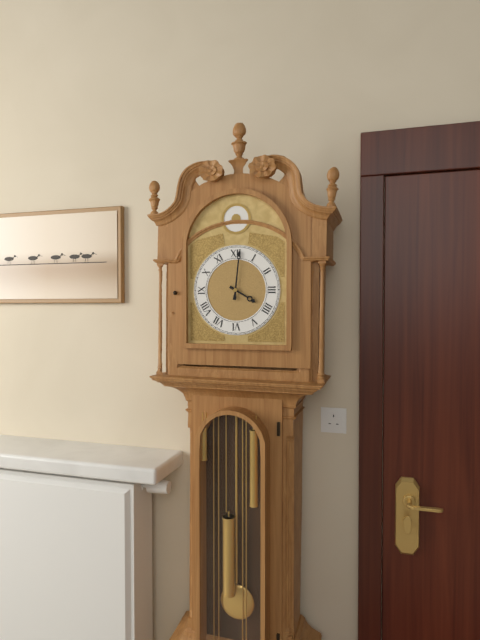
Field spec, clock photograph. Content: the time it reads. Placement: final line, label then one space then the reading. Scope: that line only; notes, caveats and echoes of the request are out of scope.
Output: 4:01
